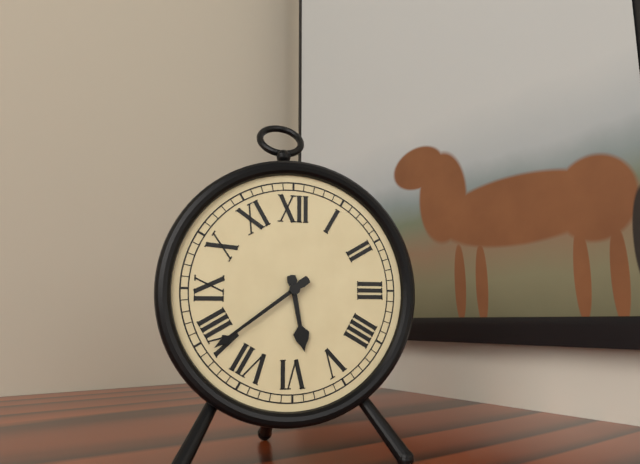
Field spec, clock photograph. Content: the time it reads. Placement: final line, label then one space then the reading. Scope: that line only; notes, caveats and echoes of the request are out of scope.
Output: 5:39
